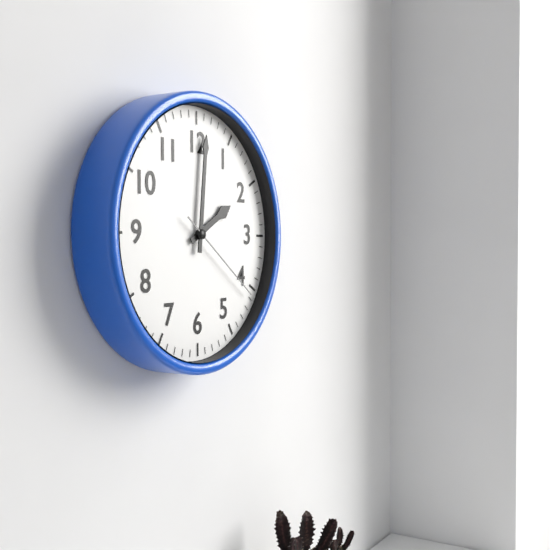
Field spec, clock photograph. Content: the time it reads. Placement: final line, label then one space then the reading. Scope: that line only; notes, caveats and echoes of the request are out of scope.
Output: 2:01:21
